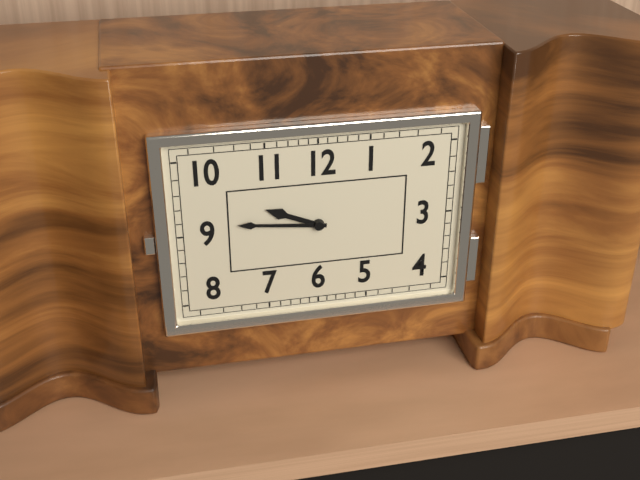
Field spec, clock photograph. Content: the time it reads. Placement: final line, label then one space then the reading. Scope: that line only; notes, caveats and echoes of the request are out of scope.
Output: 9:46
